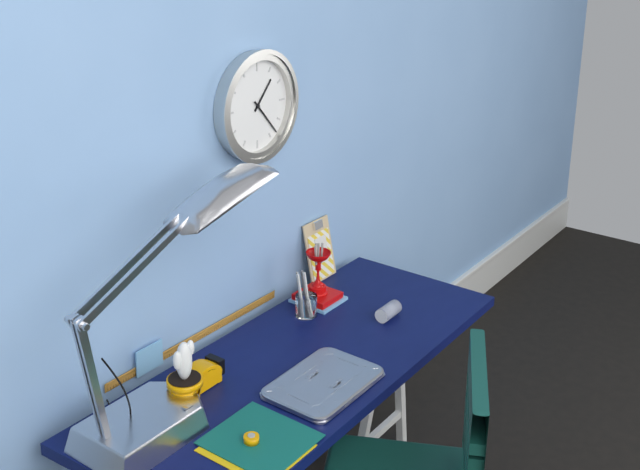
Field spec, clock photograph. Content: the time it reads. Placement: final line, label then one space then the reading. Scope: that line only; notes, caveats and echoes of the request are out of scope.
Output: 1:23
